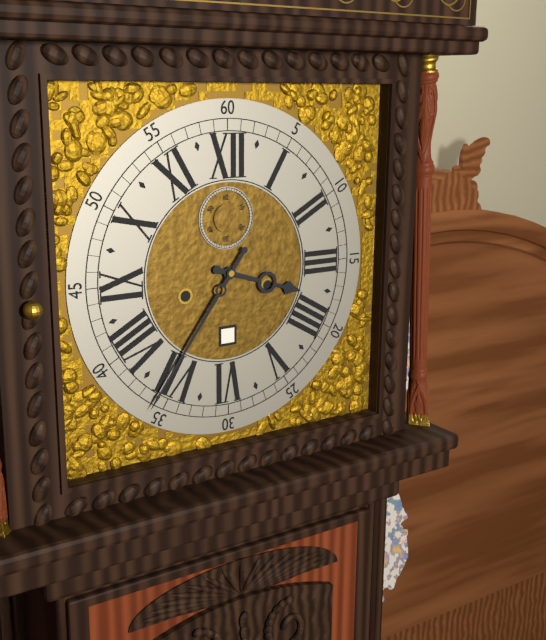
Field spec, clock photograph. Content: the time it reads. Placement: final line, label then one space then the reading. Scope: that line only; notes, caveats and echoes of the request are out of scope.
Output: 3:36
